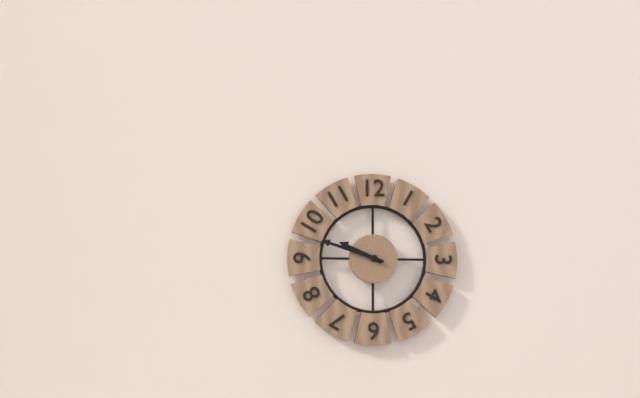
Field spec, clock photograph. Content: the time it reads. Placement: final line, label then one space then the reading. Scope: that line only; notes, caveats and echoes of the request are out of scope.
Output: 9:48
